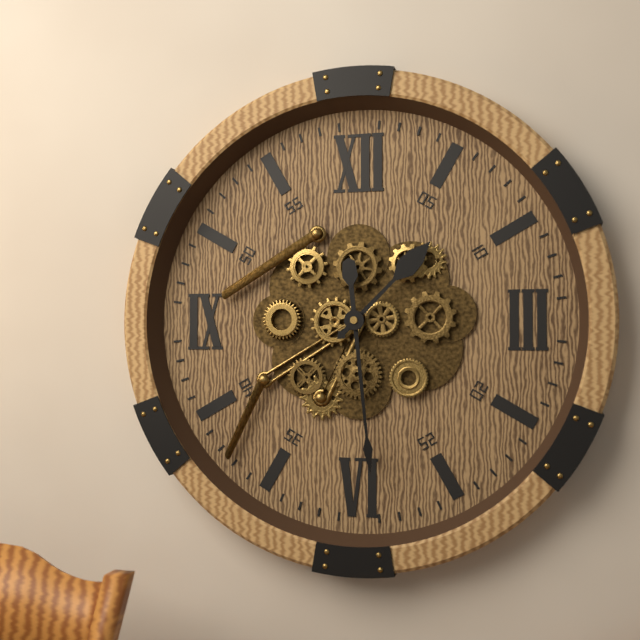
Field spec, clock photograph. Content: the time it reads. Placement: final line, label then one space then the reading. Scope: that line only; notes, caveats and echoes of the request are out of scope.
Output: 1:29
